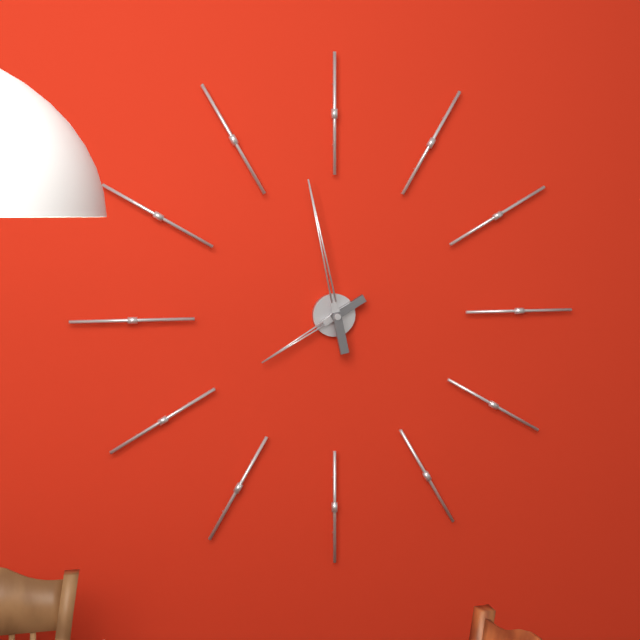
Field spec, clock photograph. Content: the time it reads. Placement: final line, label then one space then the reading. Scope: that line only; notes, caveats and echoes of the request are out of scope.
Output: 7:58
